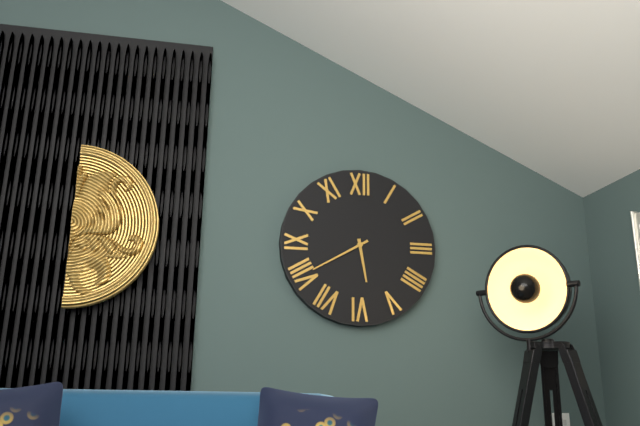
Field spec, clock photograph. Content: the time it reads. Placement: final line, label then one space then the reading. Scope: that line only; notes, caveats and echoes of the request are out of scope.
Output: 5:40
